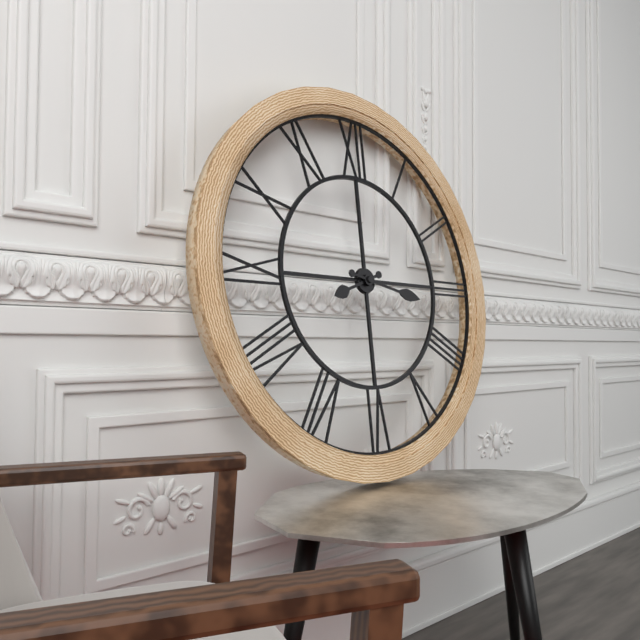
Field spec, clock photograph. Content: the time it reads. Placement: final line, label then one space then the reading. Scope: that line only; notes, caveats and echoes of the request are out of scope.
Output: 8:17
